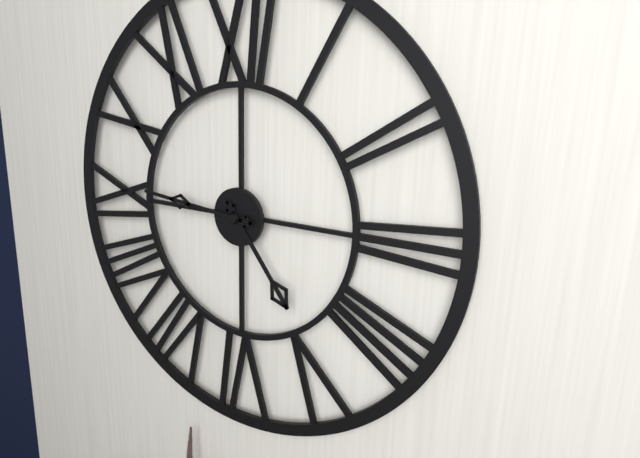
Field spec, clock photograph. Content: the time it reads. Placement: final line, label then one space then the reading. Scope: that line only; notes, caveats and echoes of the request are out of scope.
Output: 4:46
